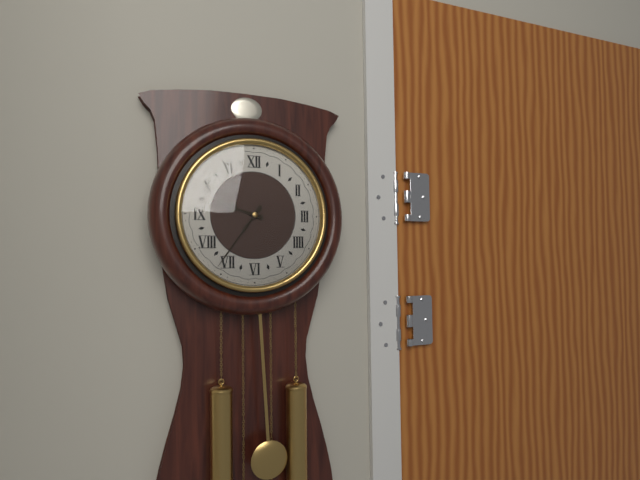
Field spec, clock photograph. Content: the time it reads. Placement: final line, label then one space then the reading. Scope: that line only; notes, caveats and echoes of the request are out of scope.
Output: 9:36
